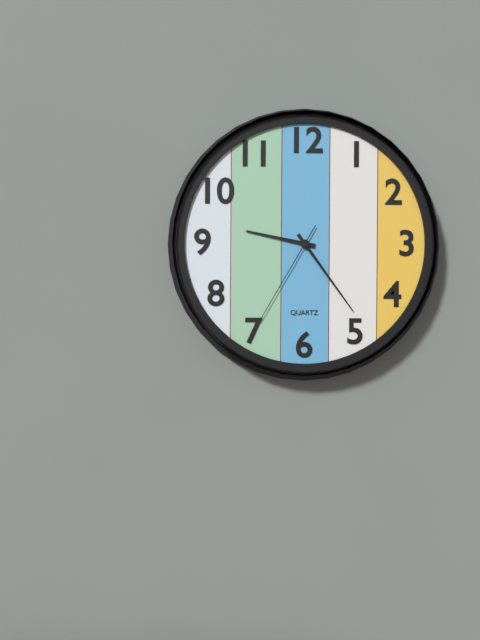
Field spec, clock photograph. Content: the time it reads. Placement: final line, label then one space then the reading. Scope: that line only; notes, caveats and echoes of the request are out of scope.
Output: 9:24:35
